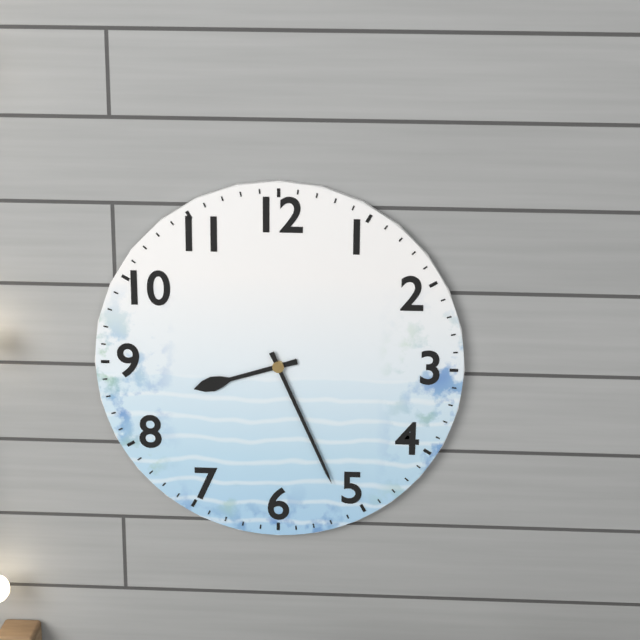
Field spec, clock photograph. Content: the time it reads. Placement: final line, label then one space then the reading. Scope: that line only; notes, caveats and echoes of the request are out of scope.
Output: 8:26
